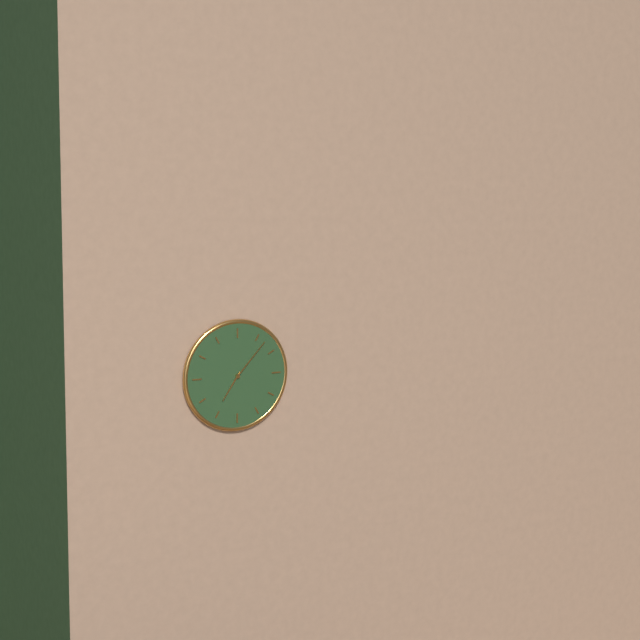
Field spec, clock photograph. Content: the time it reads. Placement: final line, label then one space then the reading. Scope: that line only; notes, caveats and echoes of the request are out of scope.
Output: 7:07
